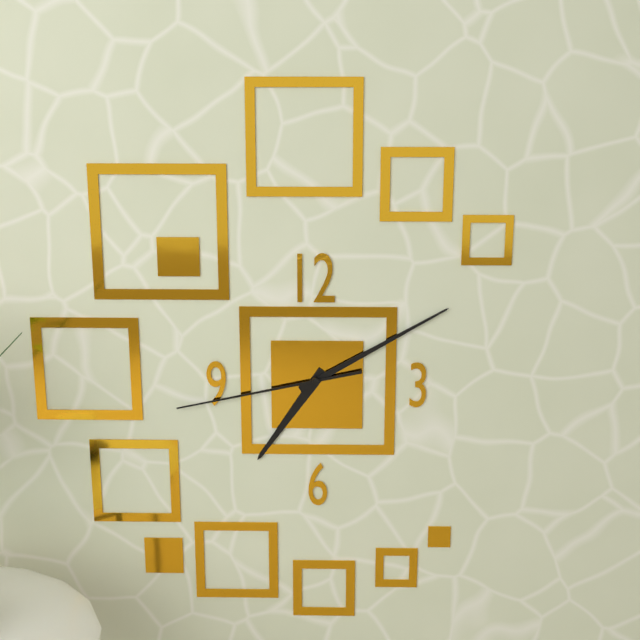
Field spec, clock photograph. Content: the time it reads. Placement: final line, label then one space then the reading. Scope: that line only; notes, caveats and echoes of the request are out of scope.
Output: 7:10:43
